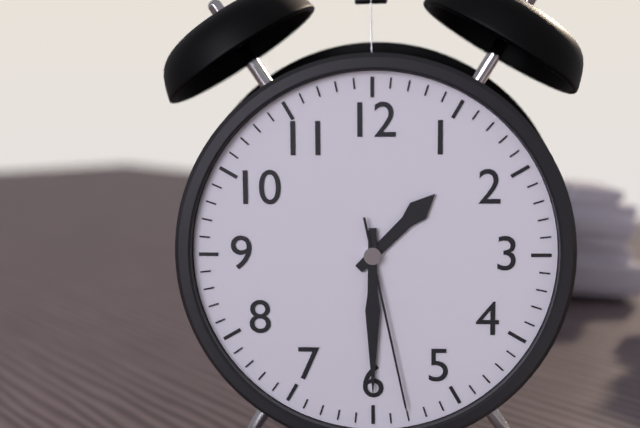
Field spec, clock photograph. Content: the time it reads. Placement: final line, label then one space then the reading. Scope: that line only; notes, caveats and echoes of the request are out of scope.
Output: 1:30:28
